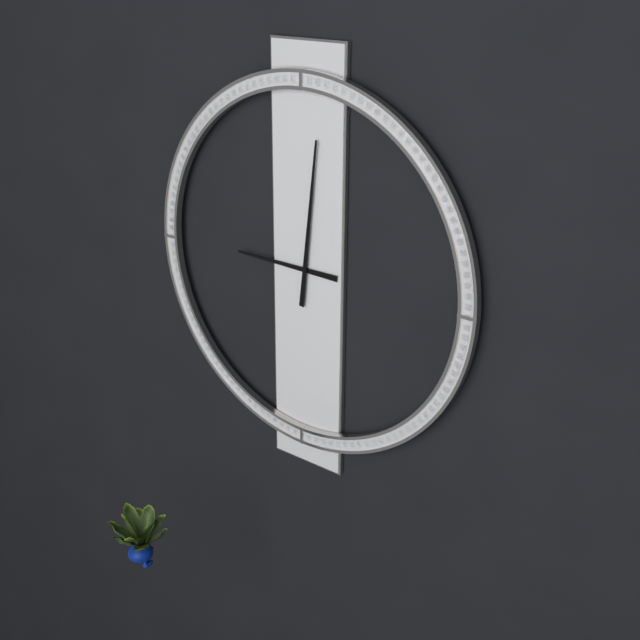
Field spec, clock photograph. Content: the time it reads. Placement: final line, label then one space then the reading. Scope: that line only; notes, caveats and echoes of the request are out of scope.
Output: 9:01
